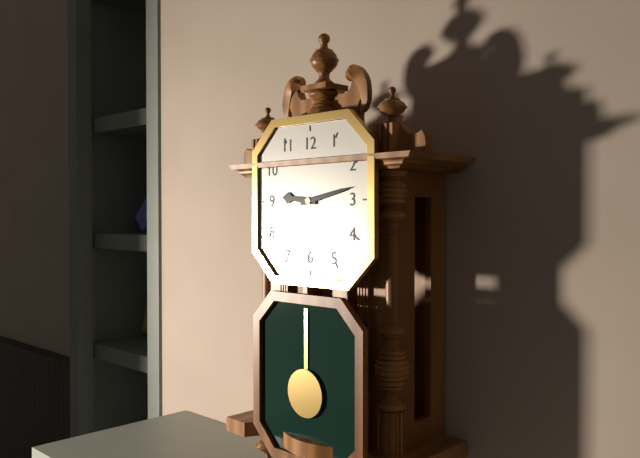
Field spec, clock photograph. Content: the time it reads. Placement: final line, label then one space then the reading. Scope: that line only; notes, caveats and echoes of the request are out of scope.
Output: 9:13
